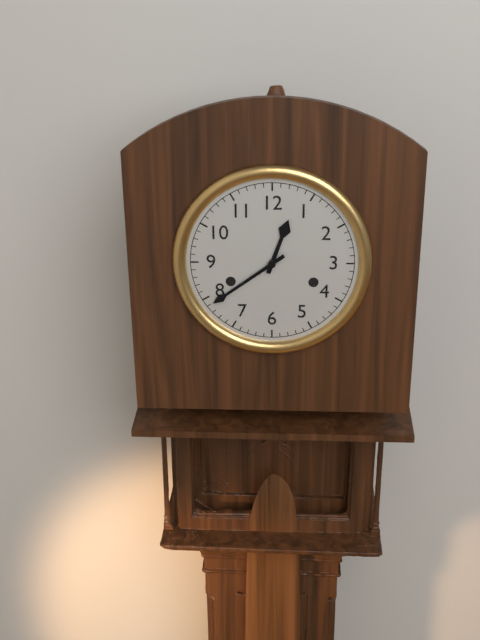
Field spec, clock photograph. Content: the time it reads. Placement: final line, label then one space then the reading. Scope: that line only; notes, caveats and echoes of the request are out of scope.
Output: 12:39
